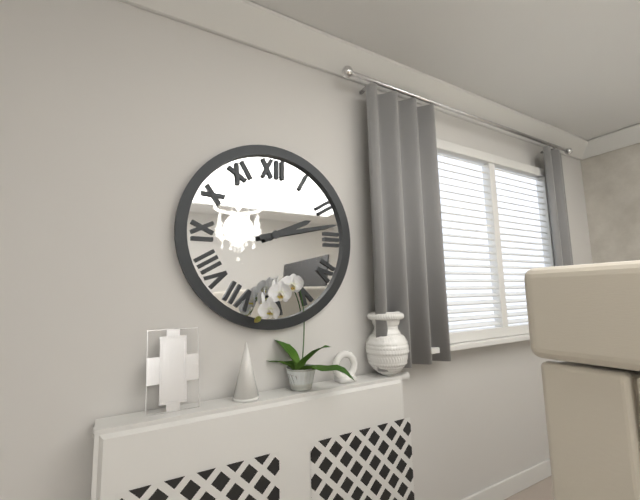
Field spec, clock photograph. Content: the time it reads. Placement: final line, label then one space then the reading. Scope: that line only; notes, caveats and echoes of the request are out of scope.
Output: 2:13
